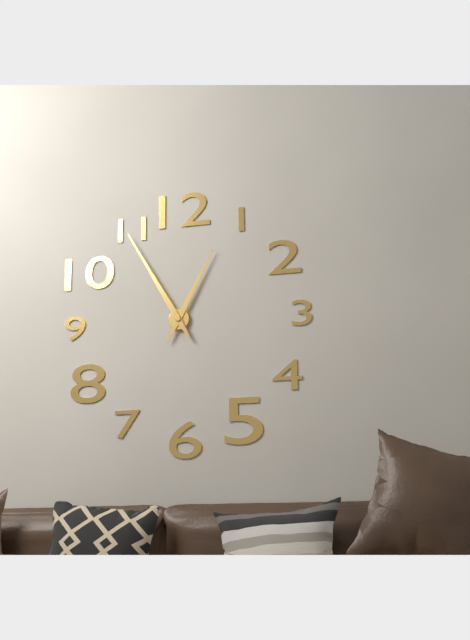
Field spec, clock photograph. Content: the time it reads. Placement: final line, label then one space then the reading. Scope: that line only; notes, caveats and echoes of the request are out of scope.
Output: 12:55
